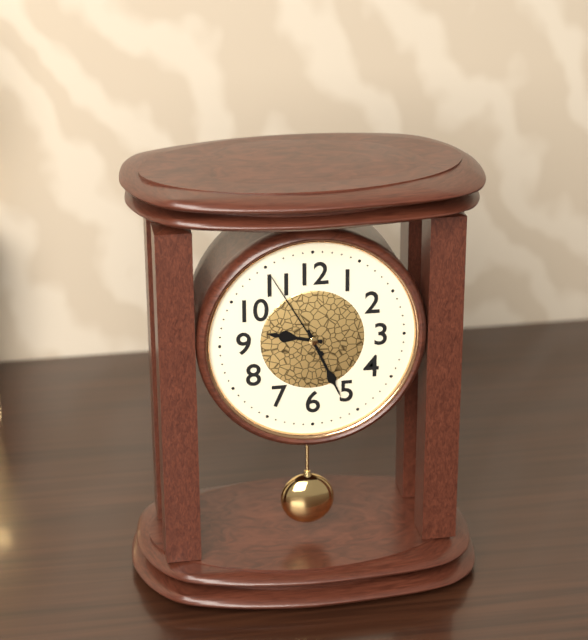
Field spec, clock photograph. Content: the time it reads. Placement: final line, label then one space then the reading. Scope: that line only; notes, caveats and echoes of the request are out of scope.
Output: 9:26:55
